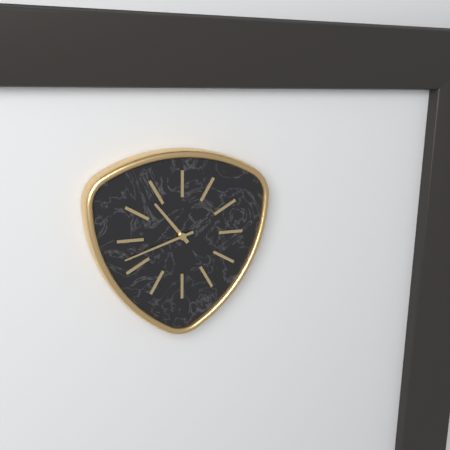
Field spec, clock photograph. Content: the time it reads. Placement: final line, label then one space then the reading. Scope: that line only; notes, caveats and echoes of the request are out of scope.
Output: 10:42
